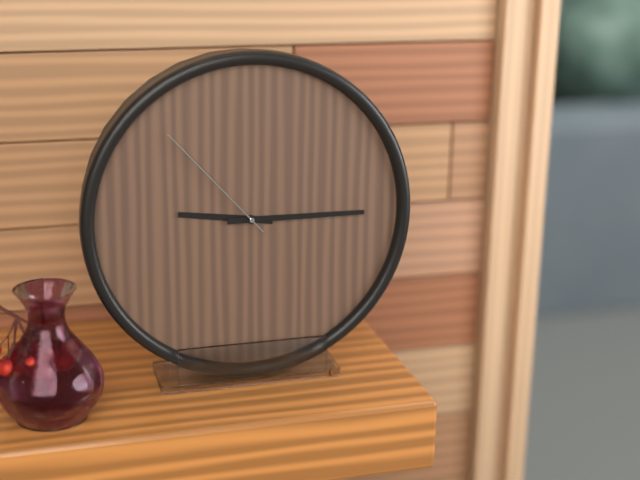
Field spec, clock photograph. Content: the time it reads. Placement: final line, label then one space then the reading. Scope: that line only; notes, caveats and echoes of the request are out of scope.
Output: 9:15:53
